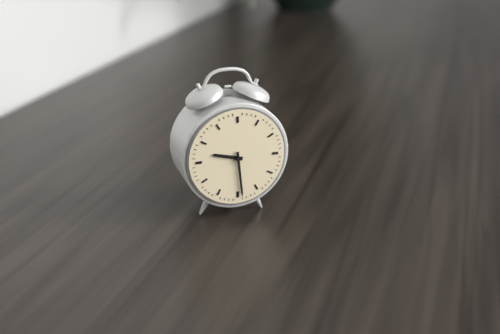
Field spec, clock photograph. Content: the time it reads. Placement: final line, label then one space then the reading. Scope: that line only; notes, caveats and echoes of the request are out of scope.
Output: 9:29
